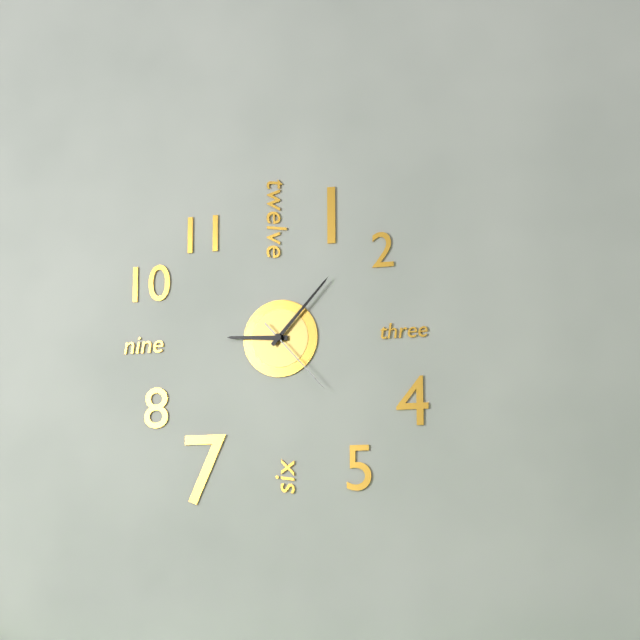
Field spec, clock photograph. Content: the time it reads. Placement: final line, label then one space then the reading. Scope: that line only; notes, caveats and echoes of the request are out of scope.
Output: 9:07:23
